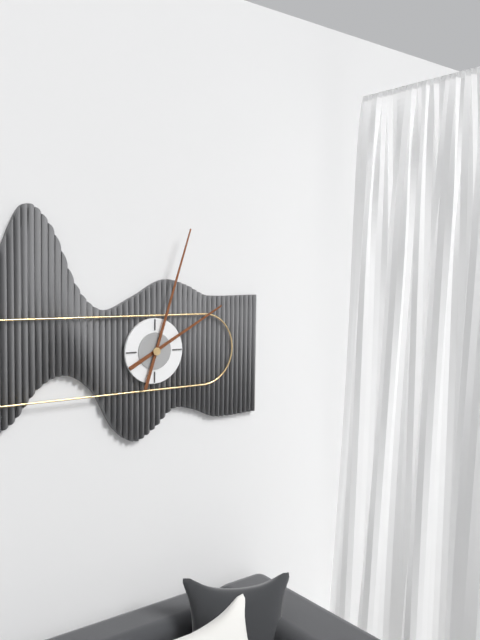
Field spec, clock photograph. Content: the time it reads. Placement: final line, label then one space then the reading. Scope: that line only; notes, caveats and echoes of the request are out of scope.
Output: 2:03
